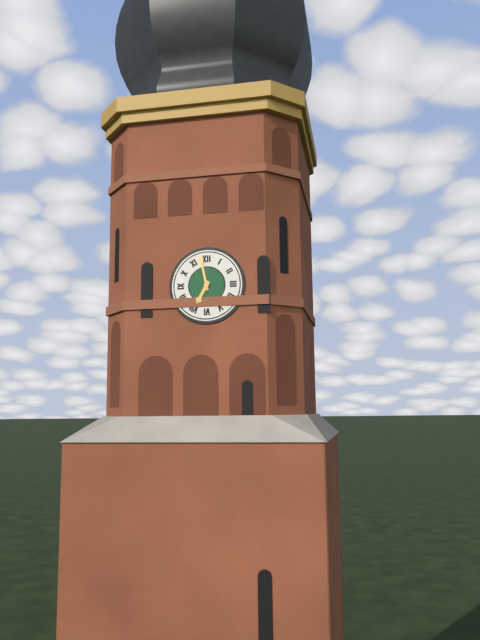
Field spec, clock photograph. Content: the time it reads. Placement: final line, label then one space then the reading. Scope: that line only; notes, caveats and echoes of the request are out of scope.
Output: 6:58
